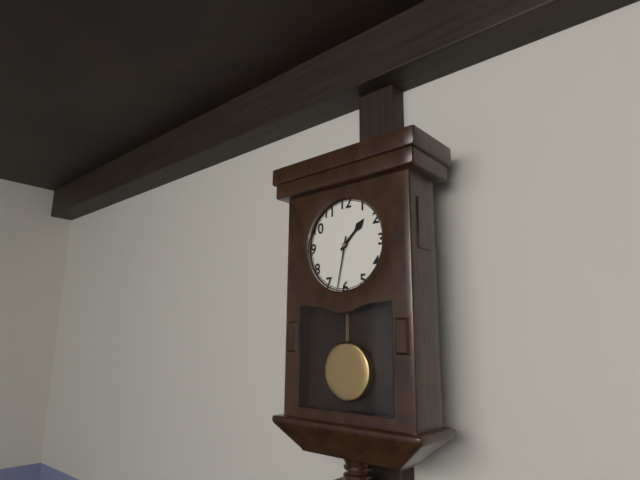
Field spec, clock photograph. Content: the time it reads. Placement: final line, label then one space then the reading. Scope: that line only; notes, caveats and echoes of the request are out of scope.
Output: 1:32
